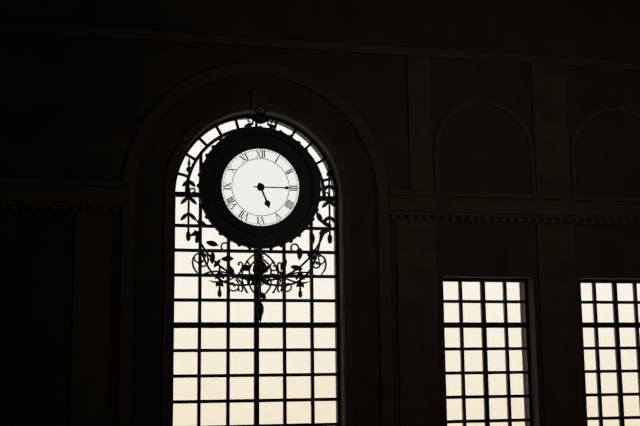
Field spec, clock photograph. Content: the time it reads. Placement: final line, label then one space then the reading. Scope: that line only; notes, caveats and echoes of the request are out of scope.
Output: 5:15
